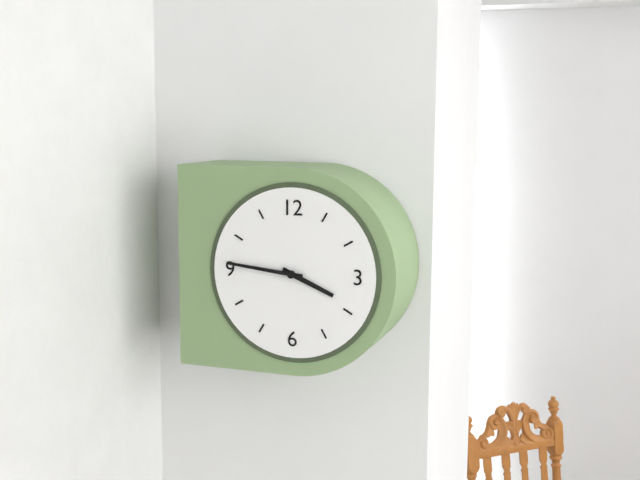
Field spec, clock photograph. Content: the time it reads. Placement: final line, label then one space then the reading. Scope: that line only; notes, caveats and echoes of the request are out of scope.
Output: 3:46
